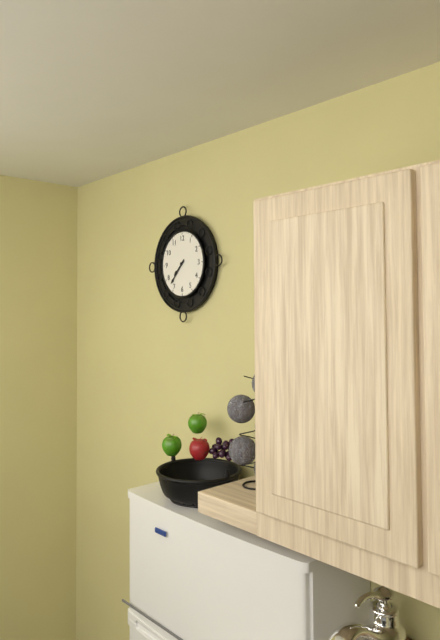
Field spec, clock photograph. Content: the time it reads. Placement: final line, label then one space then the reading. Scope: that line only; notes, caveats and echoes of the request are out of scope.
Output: 7:37
